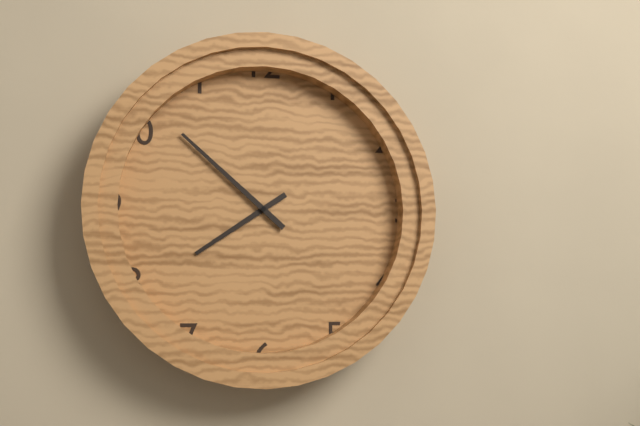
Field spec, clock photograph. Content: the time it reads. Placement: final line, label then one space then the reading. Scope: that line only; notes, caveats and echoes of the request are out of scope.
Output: 7:52
